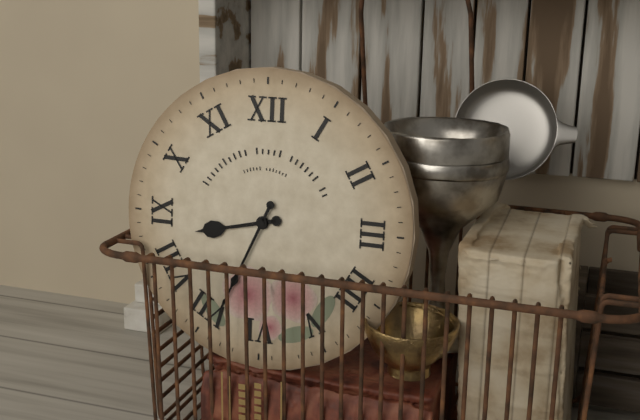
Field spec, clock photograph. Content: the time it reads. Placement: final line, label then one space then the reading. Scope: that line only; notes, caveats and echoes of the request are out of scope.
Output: 8:34
